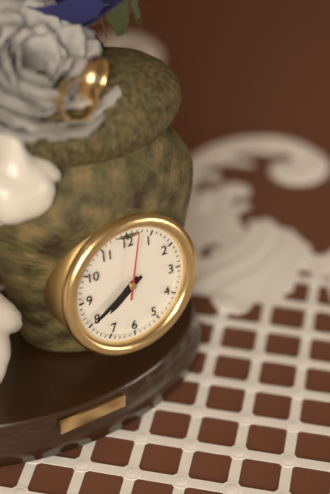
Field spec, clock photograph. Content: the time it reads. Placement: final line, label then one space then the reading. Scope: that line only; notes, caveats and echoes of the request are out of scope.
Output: 7:40:02
